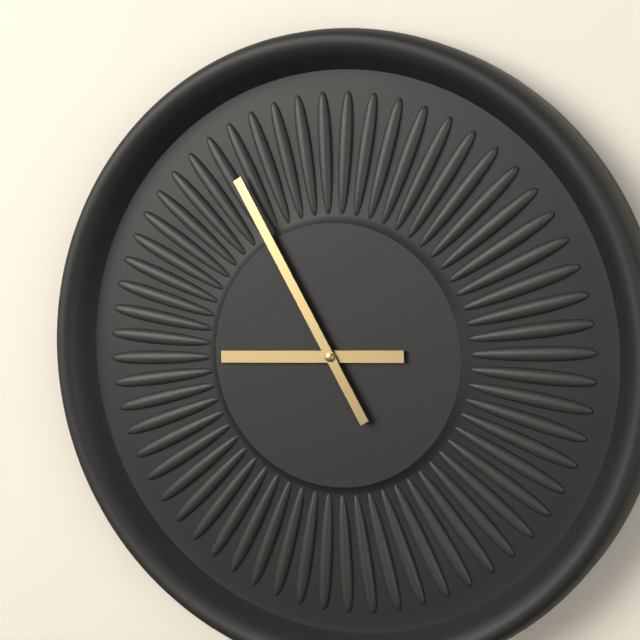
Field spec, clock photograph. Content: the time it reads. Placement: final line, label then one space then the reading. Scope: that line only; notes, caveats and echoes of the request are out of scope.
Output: 8:55
